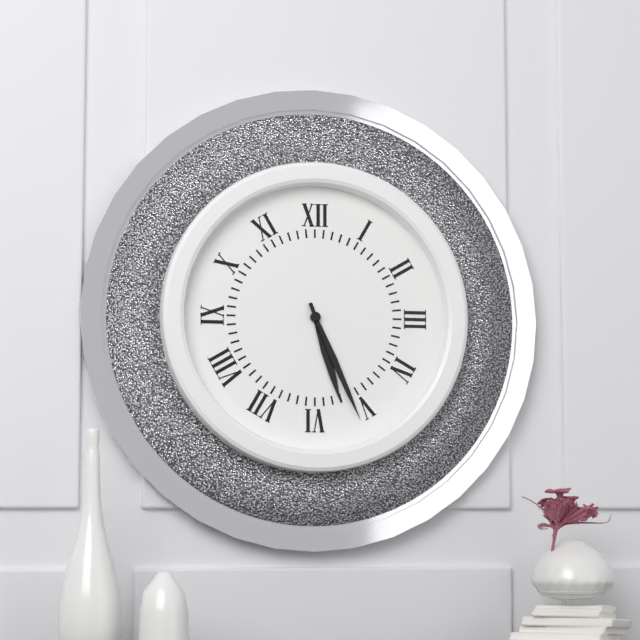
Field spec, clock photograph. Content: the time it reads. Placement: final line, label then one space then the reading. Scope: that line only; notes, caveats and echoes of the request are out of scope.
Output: 5:26
